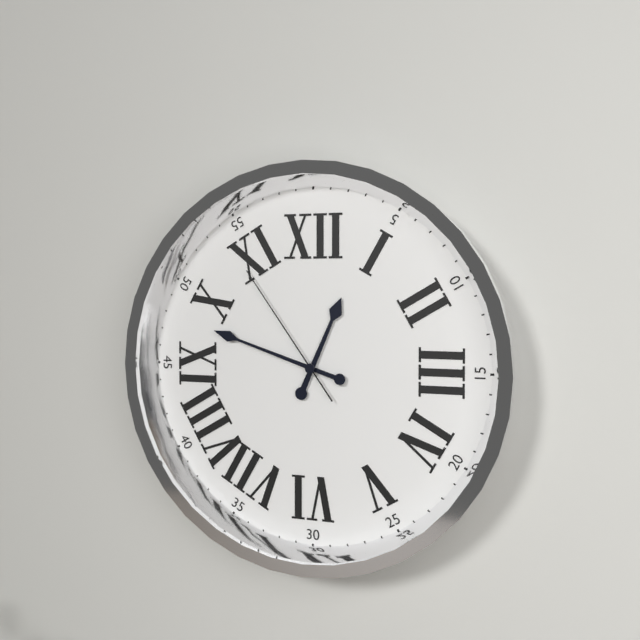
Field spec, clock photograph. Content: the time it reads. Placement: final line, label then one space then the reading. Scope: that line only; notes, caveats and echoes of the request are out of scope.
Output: 12:48:54
